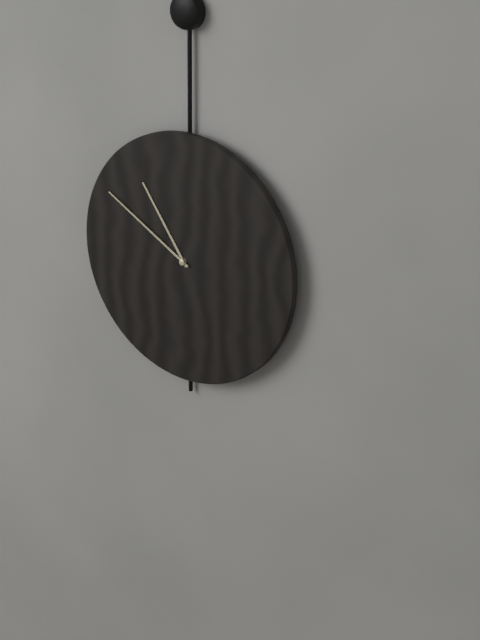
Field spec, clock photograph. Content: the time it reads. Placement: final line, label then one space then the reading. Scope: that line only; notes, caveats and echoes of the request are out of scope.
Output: 10:50
